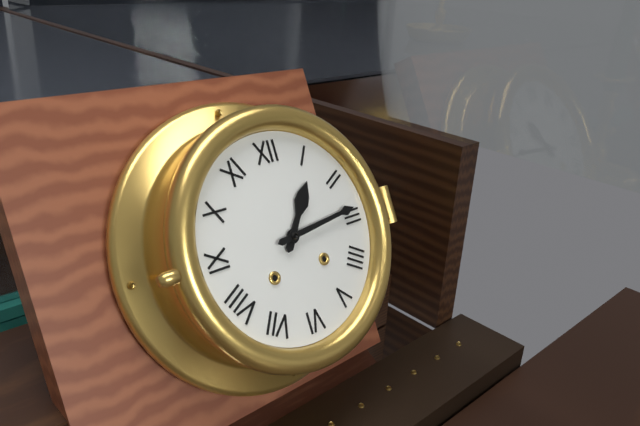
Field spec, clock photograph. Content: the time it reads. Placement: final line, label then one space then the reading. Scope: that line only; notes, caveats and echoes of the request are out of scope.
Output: 1:14
